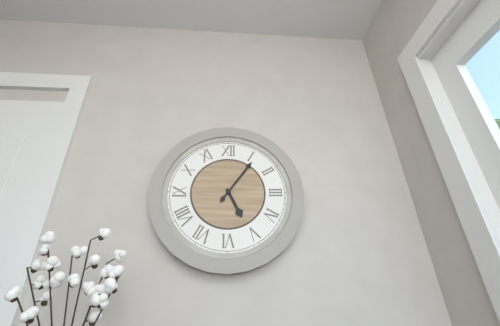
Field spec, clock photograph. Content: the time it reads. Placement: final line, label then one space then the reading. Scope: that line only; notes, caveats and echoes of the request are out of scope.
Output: 5:06
